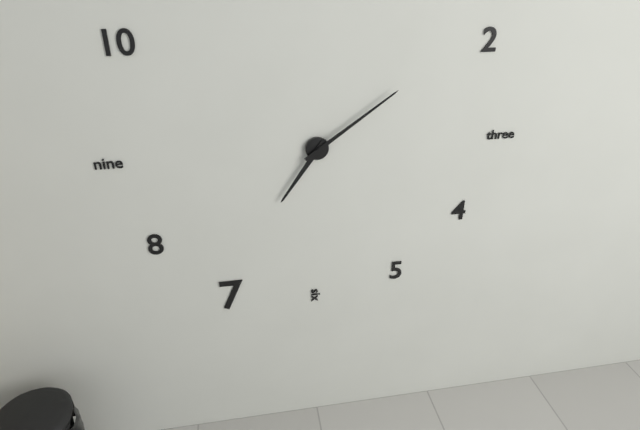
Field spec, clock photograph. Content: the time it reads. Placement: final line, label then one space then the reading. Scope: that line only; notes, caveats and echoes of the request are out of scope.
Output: 7:09
